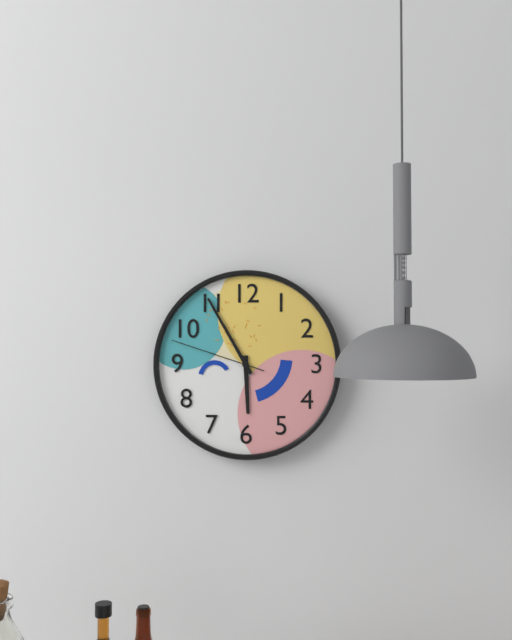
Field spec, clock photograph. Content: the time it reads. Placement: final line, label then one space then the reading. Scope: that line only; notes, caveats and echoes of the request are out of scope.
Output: 5:55:48
